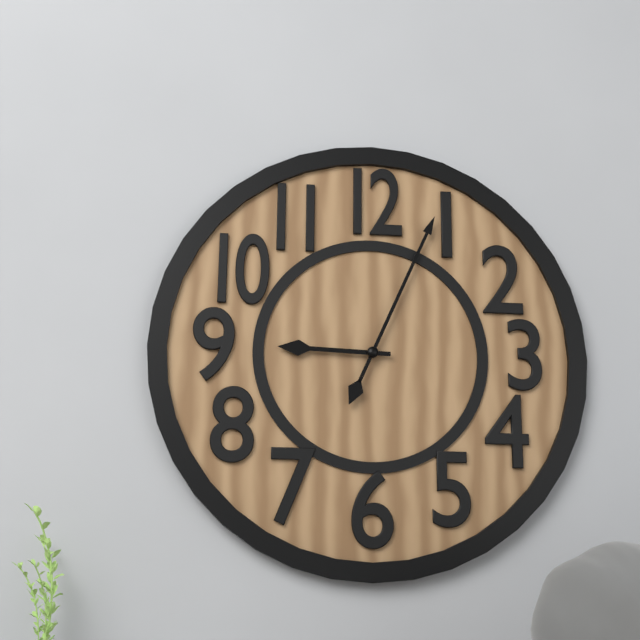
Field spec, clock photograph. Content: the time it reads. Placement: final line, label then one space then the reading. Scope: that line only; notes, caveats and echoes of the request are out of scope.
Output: 9:04
